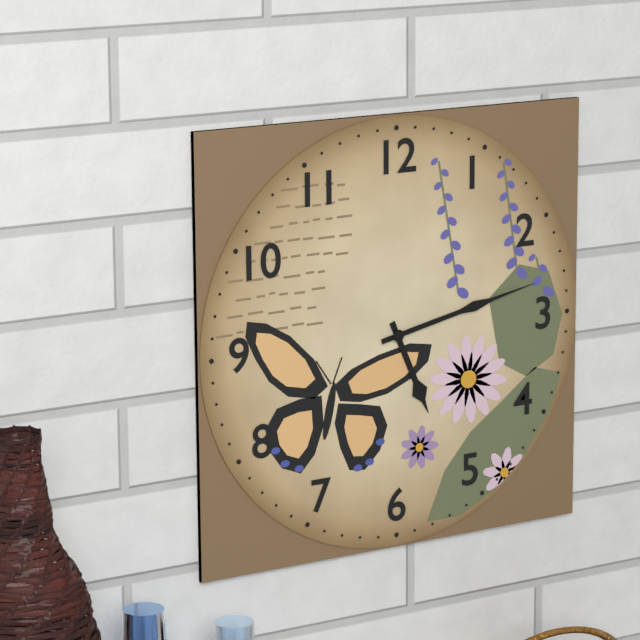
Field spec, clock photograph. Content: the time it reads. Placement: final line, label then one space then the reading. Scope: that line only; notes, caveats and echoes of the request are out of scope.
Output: 5:13
